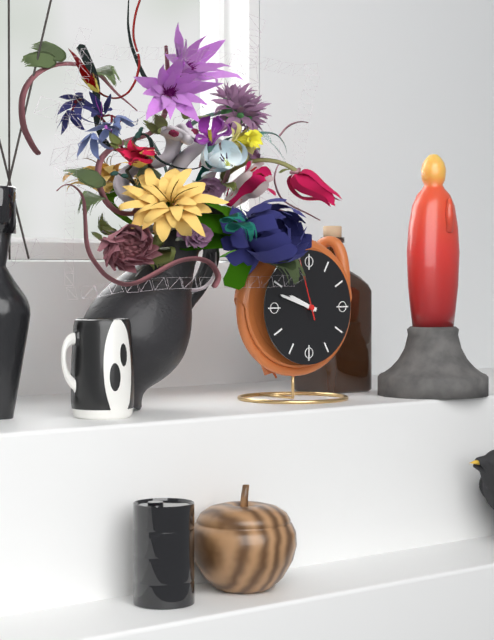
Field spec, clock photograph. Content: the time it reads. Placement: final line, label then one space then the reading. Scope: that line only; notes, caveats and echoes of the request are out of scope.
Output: 9:48:57
